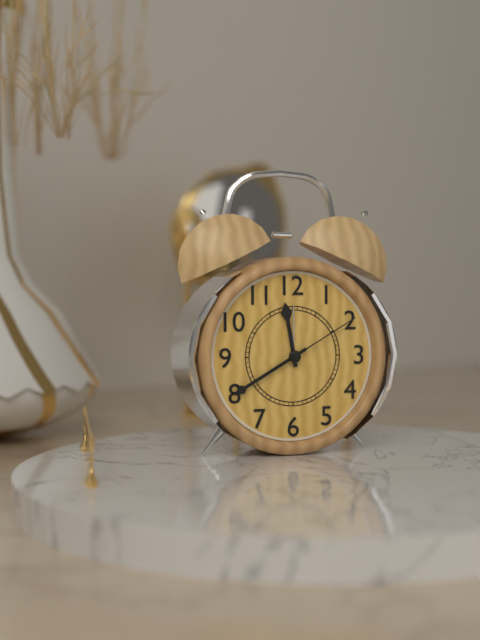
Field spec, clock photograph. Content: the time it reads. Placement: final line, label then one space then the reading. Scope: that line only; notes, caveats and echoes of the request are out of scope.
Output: 11:40:10
